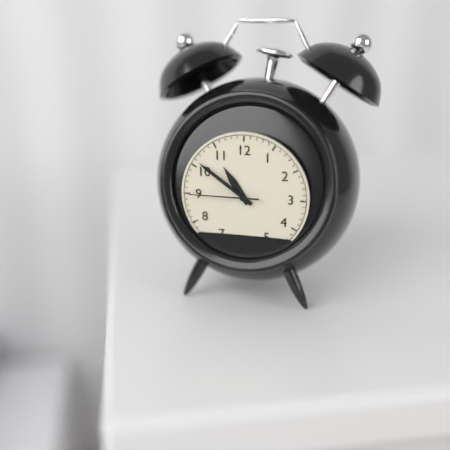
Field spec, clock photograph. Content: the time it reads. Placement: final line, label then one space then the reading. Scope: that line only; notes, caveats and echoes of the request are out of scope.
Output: 10:51:45
